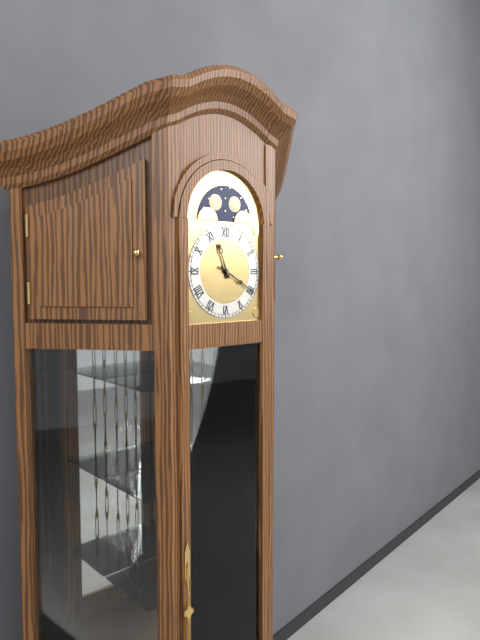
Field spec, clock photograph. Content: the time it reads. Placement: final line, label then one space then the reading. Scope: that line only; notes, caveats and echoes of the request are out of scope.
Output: 11:20
